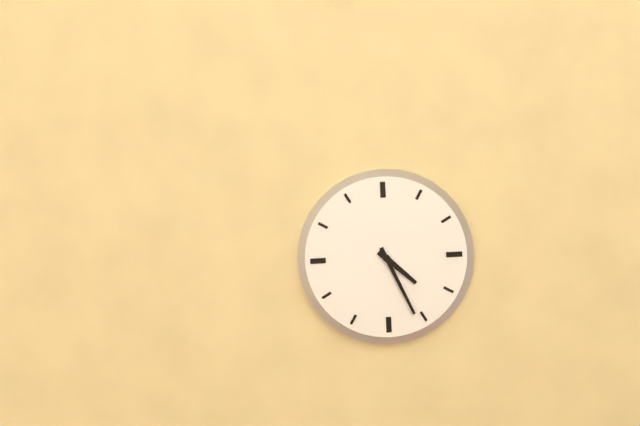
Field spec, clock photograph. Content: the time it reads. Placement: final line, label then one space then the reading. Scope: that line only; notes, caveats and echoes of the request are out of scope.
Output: 4:26
